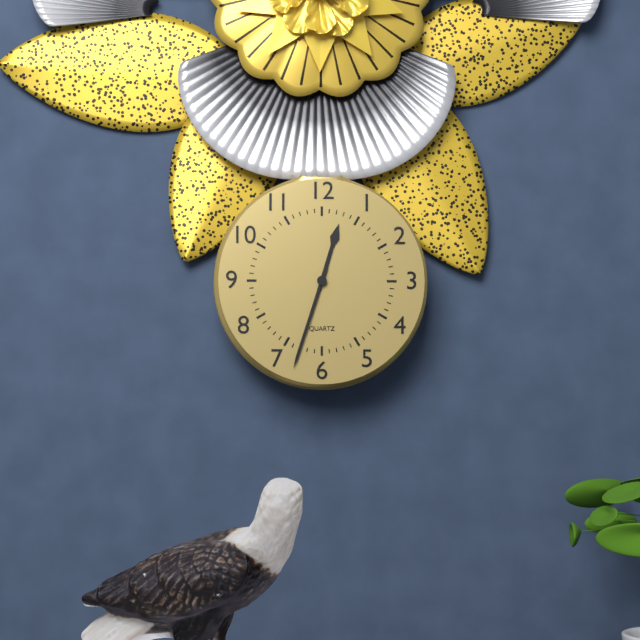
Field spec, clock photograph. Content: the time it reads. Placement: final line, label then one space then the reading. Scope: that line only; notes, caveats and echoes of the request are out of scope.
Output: 12:33
